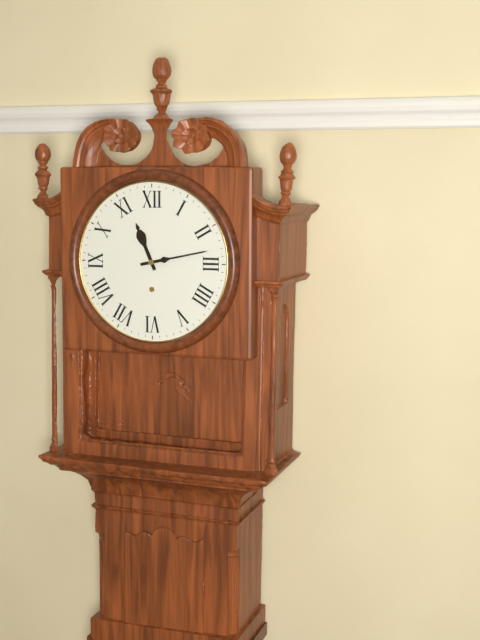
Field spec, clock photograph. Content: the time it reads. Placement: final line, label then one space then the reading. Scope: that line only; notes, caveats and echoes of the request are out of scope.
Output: 11:13
